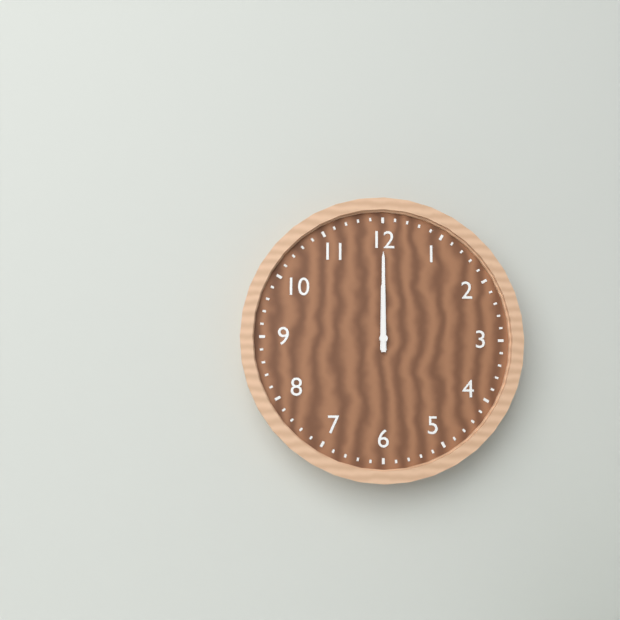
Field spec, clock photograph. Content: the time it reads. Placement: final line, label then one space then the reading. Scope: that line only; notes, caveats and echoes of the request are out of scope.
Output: 12:00
